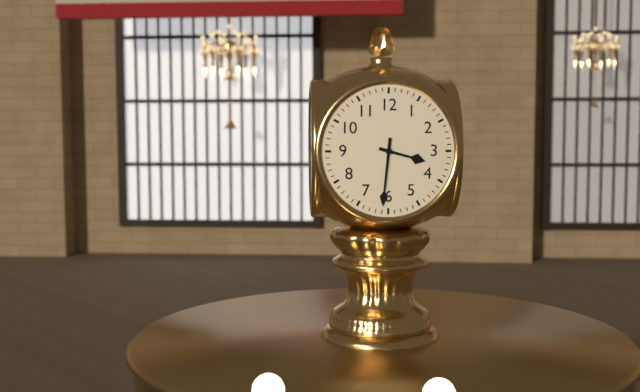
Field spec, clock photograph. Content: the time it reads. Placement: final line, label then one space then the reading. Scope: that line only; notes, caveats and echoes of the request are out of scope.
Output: 3:31
